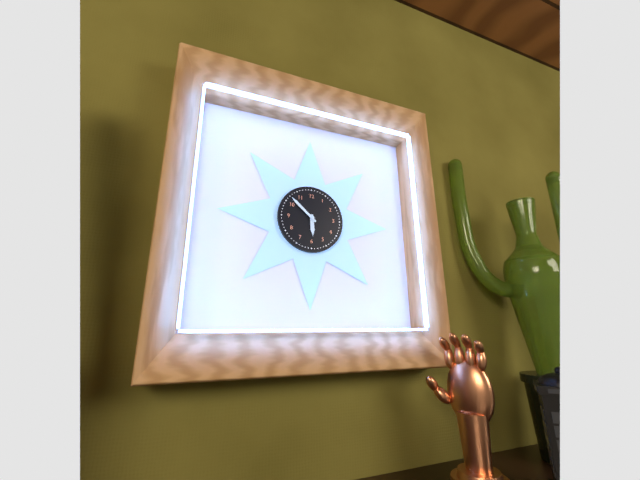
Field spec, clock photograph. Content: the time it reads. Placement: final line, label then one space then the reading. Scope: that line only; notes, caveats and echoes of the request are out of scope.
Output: 5:52
